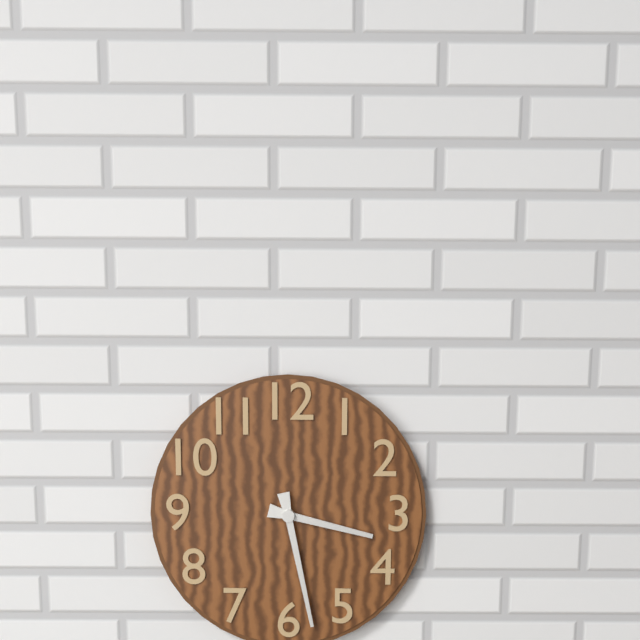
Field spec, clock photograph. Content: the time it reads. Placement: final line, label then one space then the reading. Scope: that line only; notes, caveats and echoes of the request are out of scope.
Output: 3:28
